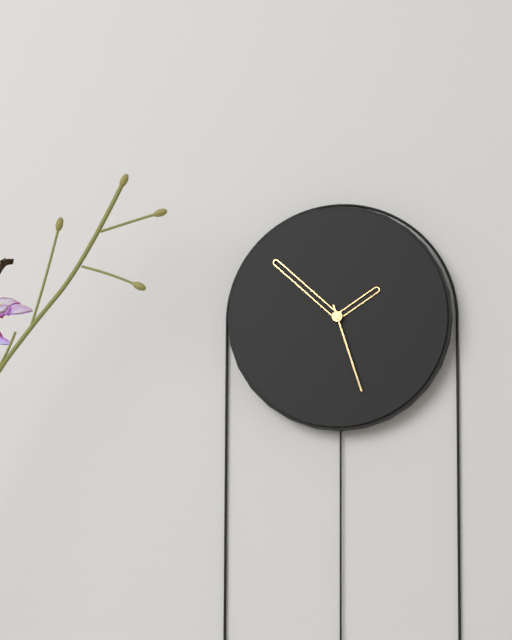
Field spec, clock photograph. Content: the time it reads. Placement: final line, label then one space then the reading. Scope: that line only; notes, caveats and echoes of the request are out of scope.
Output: 1:52:27
